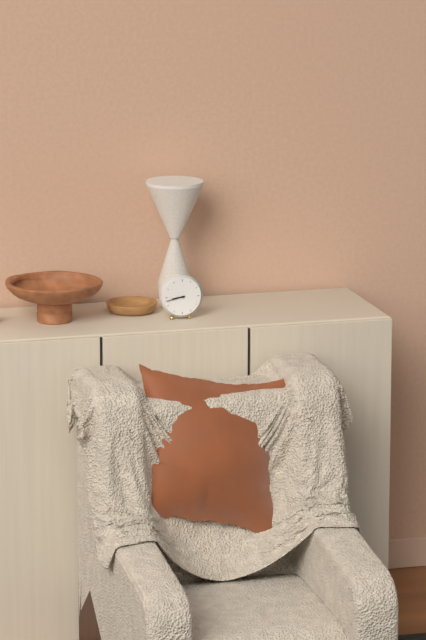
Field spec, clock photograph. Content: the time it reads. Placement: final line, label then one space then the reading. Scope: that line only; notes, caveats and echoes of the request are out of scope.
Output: 8:43
